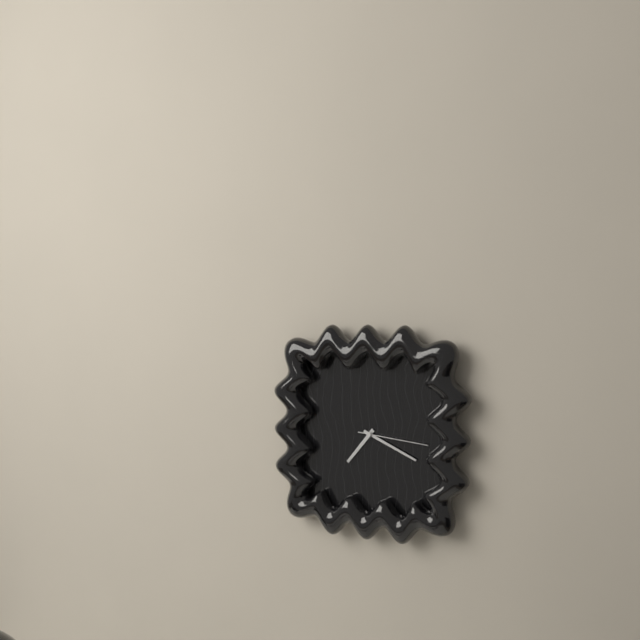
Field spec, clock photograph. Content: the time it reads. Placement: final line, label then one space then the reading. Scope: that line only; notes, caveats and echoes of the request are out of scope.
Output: 7:19:16
